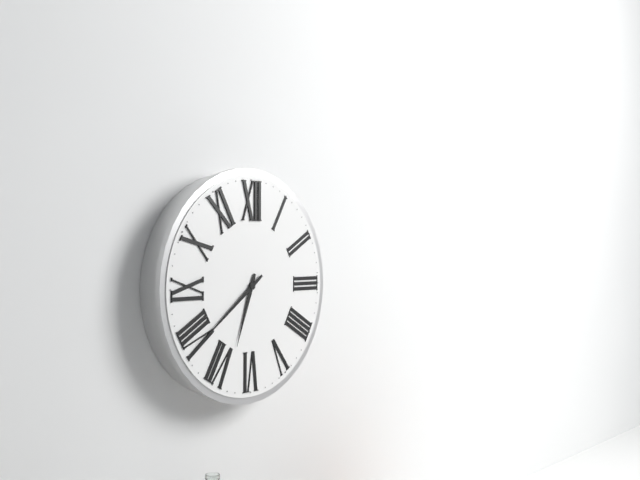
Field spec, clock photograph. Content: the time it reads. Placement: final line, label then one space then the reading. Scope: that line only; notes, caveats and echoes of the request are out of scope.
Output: 6:39
